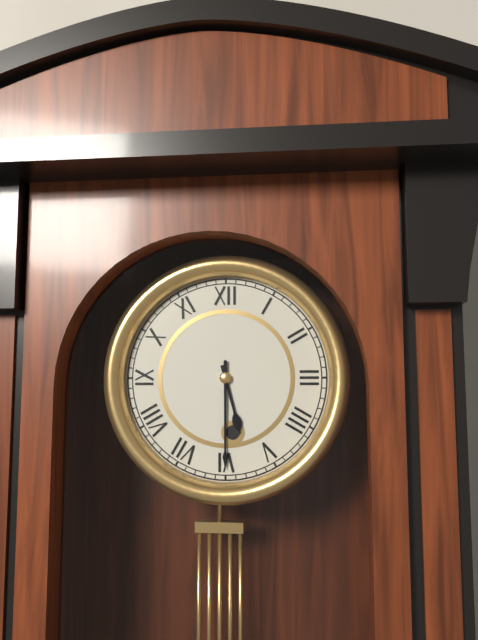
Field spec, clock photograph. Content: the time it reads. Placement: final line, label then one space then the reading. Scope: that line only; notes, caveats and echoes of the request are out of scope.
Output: 5:30
